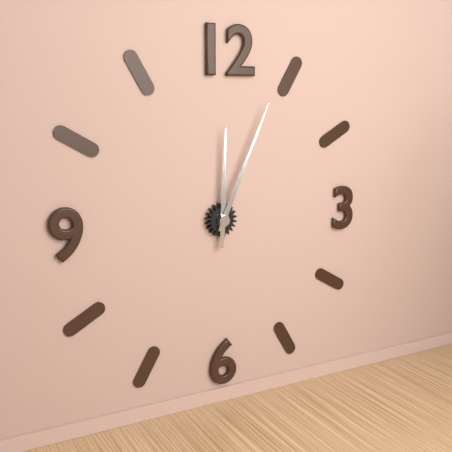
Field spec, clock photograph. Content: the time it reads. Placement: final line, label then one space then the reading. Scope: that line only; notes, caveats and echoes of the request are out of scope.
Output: 12:04
